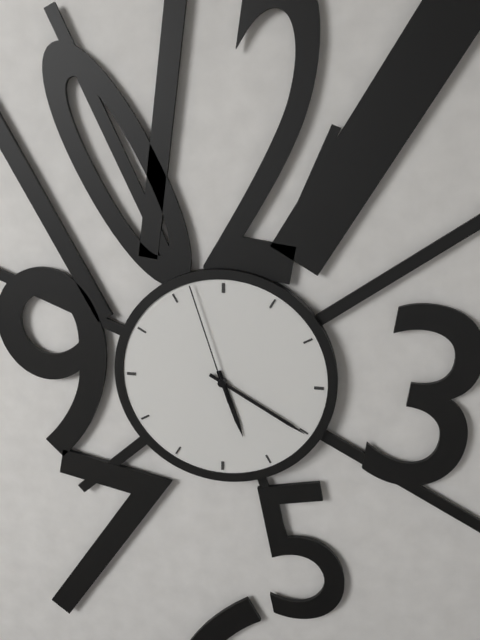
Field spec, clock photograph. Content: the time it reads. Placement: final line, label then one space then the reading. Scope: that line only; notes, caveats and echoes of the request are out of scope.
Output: 5:20:57
